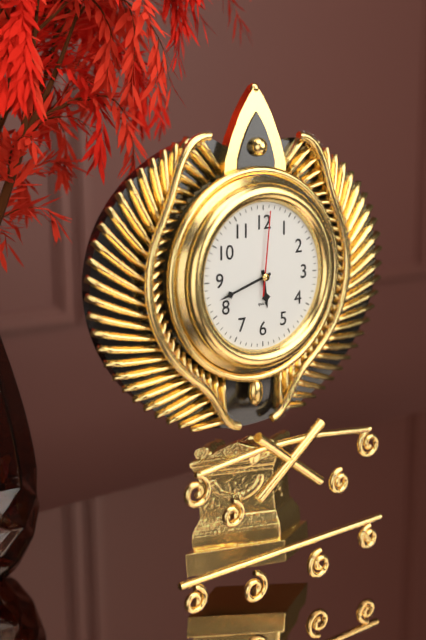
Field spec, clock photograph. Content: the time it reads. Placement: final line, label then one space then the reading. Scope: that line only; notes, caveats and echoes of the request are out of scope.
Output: 5:42:01
